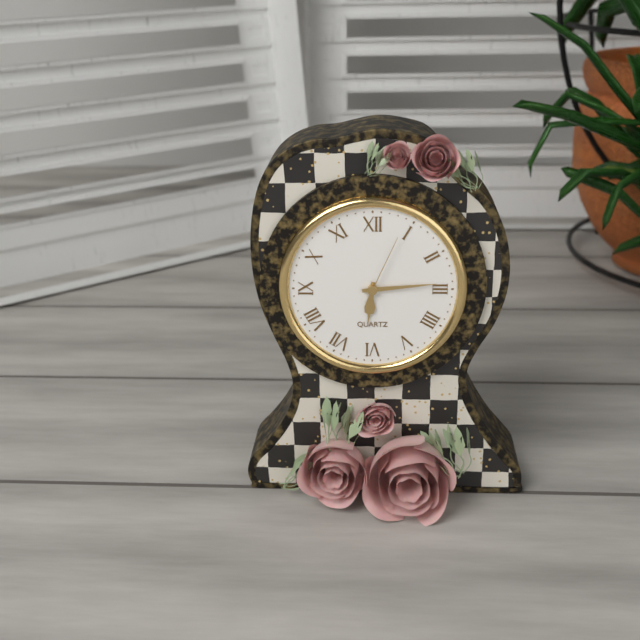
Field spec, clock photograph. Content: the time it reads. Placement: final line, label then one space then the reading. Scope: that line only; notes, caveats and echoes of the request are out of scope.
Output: 6:14:04
